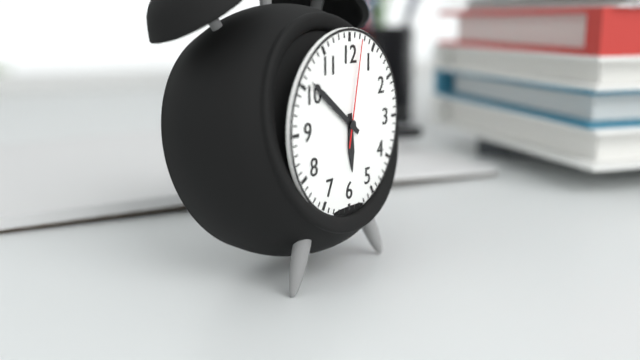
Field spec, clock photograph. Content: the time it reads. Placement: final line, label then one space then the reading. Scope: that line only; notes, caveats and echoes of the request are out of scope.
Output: 5:51:02
